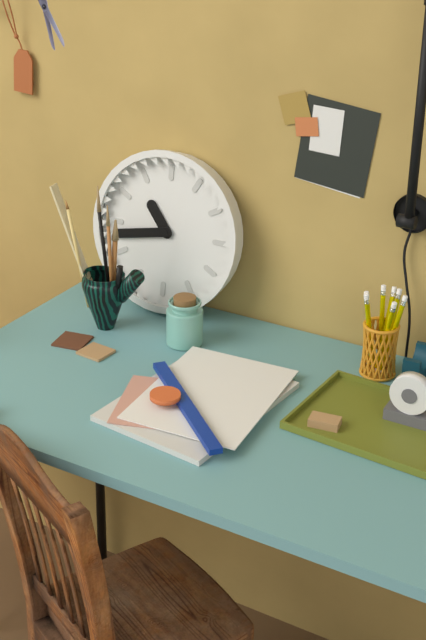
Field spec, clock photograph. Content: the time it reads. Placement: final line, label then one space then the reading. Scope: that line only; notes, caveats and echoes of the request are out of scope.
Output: 10:43
